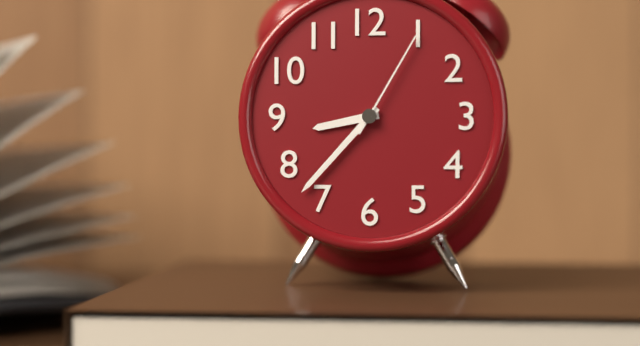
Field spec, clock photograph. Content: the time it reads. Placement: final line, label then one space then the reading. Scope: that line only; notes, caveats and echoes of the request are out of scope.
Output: 8:37:05
